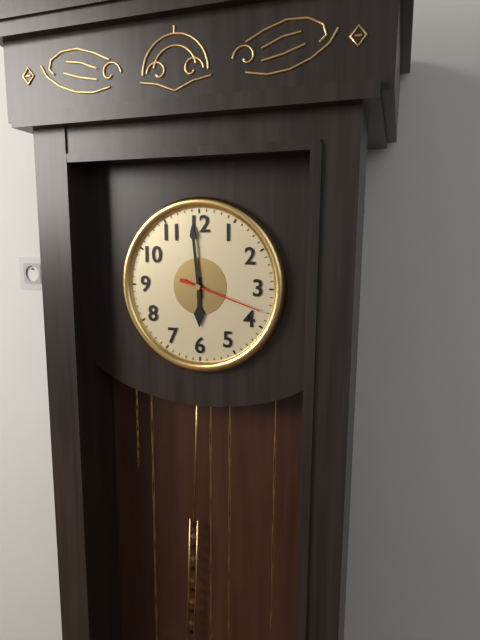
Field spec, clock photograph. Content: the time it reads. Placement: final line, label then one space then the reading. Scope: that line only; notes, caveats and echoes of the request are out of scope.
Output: 5:59:18
